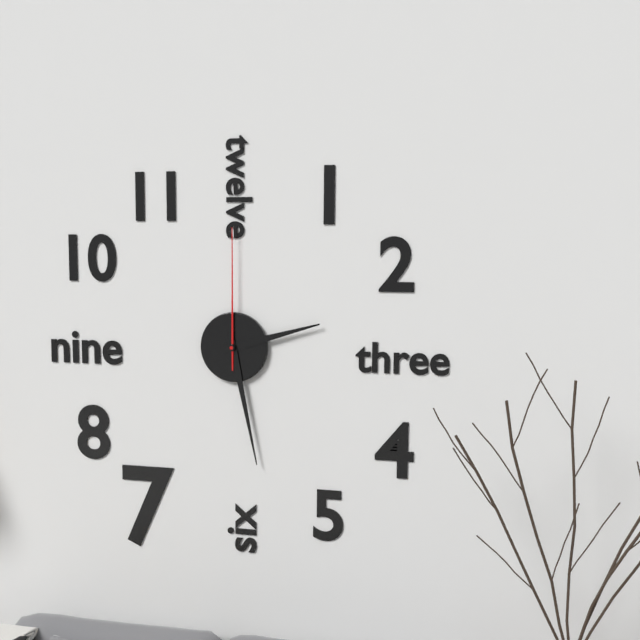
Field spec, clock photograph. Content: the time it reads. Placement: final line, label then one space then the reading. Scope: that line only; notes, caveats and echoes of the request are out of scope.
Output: 2:28:00
